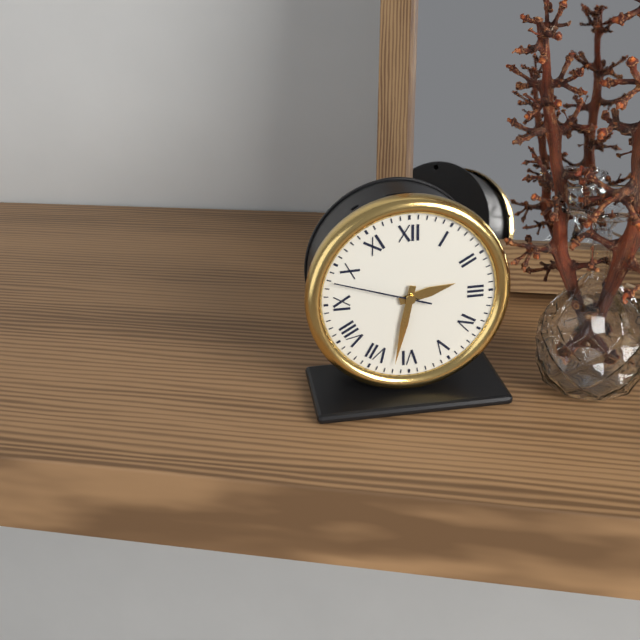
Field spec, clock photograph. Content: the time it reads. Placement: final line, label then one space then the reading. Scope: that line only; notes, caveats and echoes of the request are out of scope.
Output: 2:32:48
